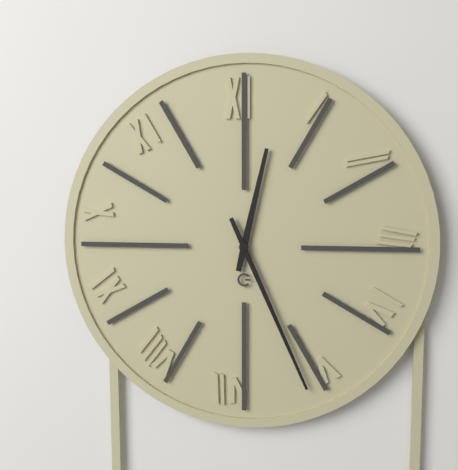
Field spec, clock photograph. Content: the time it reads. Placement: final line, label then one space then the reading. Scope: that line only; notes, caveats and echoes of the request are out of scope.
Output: 12:26
